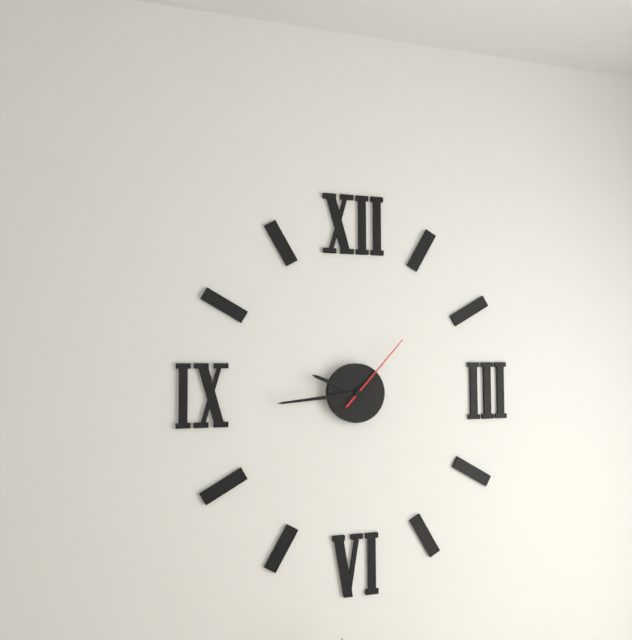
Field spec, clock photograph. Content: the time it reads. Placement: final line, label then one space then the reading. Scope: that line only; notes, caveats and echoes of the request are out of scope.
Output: 9:44:07
